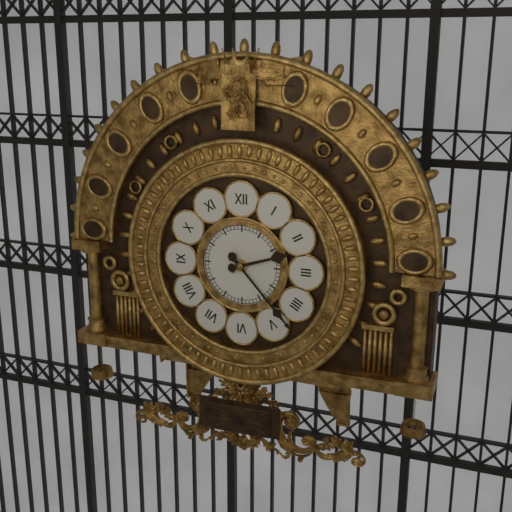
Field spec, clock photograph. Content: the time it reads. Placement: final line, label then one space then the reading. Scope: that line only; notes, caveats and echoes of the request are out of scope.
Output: 2:23
